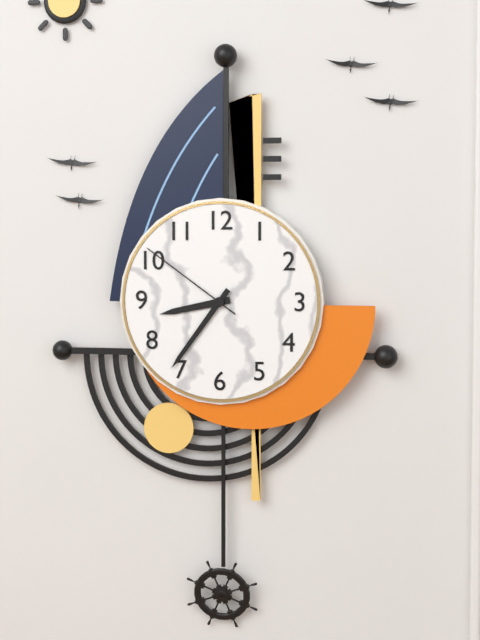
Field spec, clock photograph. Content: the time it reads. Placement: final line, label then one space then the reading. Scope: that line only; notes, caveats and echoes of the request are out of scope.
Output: 8:36:51
